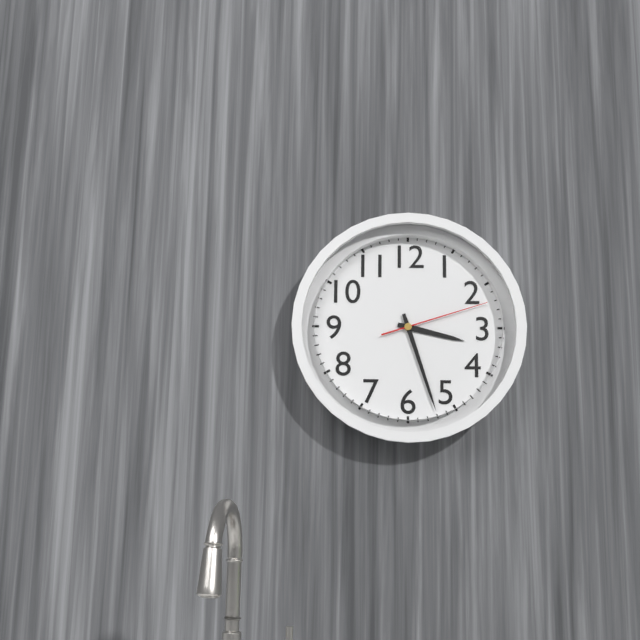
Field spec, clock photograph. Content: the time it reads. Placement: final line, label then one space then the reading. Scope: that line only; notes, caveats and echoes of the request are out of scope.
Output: 3:27:12
